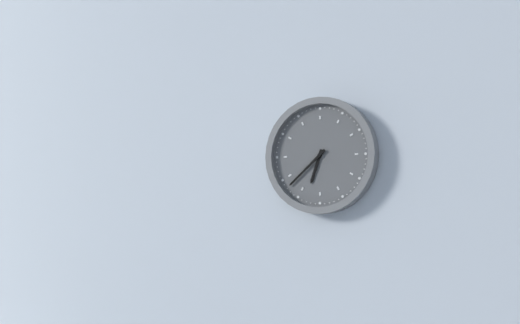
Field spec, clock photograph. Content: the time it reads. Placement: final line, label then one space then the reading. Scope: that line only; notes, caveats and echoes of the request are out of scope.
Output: 6:38
